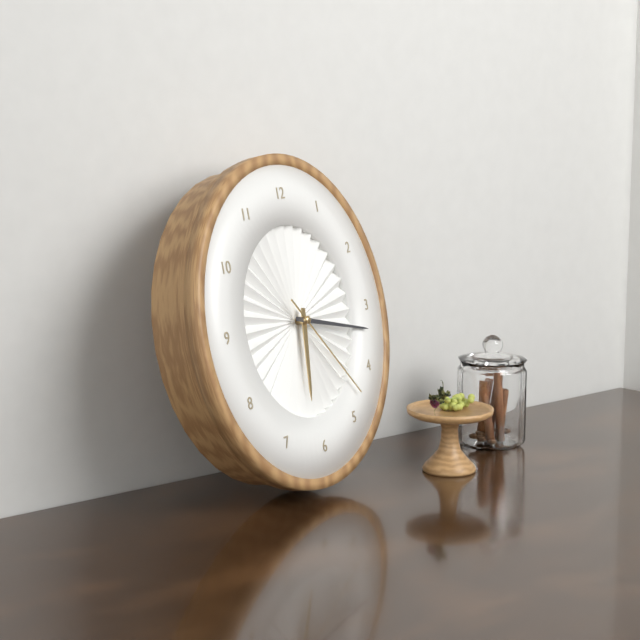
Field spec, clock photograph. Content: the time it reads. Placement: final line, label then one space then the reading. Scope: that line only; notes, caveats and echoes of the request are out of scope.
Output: 6:17:23
